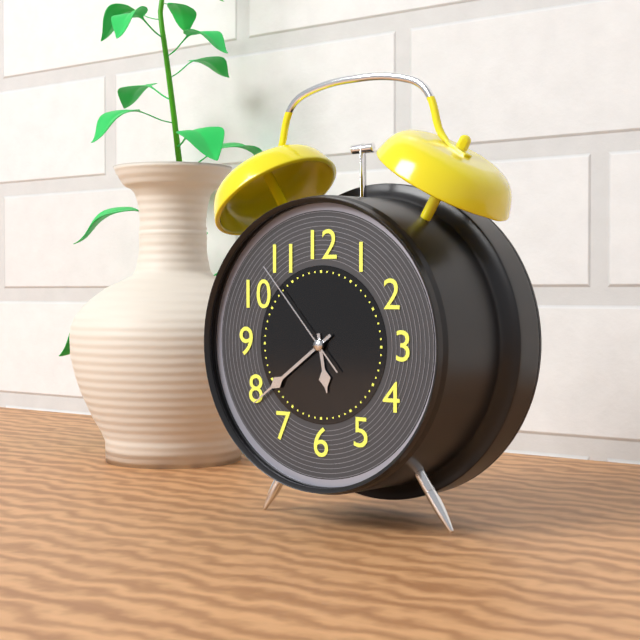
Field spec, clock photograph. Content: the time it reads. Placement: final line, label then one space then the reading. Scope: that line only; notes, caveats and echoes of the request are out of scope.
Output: 5:39:53
